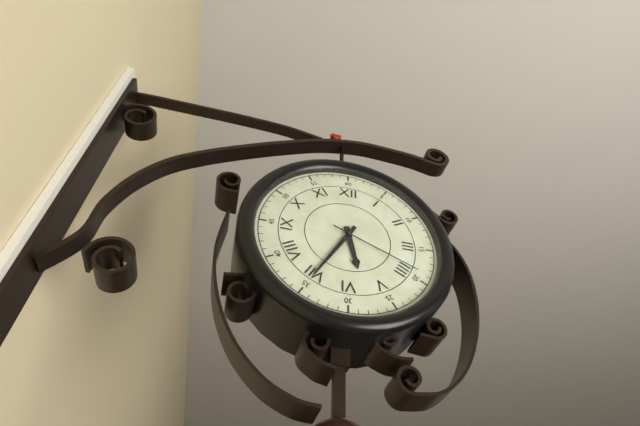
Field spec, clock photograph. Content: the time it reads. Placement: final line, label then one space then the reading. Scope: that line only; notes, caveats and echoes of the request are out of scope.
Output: 5:35:19
